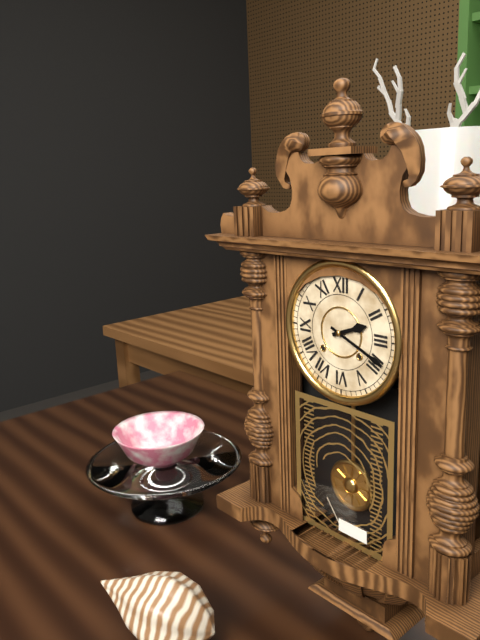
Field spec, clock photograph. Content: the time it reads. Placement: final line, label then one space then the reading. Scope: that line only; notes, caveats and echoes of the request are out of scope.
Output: 2:19
